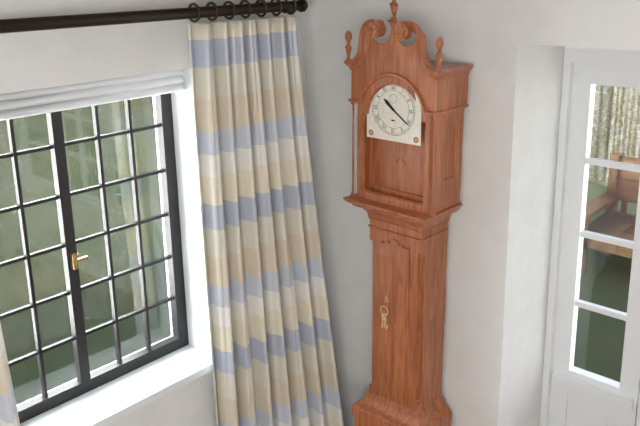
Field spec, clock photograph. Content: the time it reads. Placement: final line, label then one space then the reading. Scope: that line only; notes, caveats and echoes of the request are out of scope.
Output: 10:21
